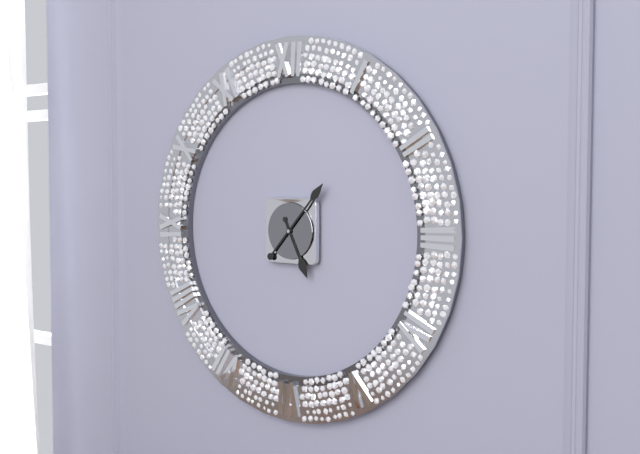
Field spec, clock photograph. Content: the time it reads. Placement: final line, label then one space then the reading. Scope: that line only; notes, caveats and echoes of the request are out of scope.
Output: 5:07
